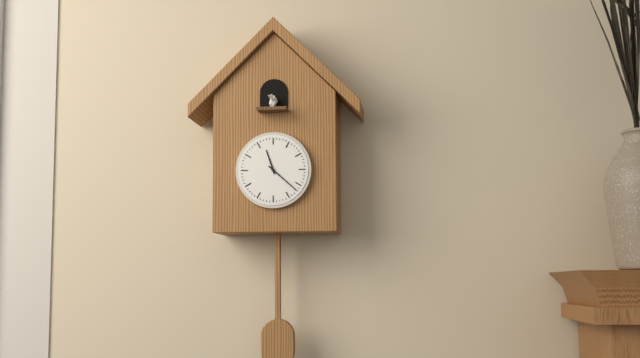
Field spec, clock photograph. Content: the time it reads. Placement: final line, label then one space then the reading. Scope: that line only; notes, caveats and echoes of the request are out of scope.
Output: 11:22
